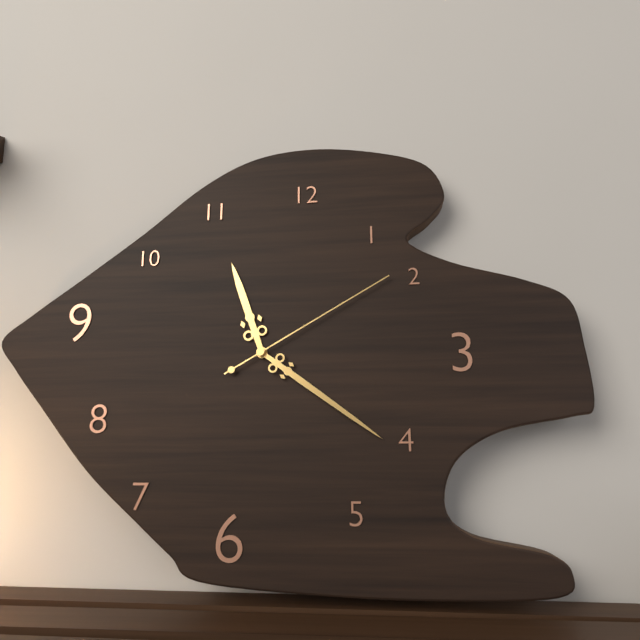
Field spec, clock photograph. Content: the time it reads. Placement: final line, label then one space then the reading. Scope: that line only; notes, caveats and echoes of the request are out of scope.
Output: 11:21:10
